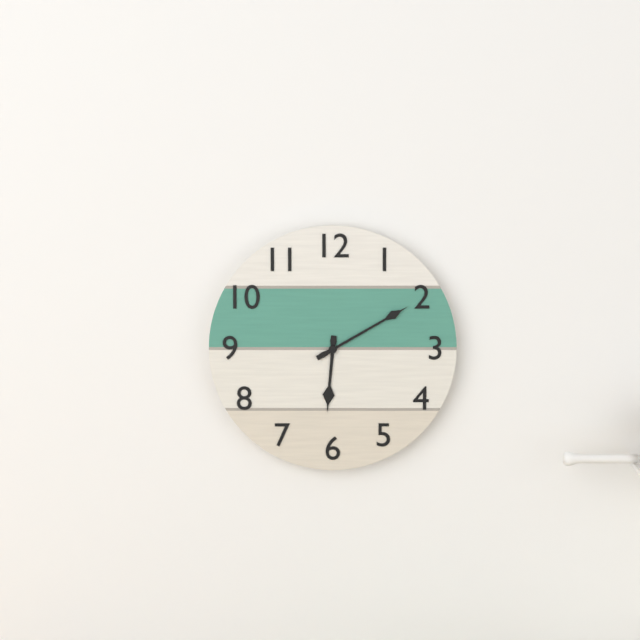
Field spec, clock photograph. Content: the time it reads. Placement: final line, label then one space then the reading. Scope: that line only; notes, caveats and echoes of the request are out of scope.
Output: 6:10
